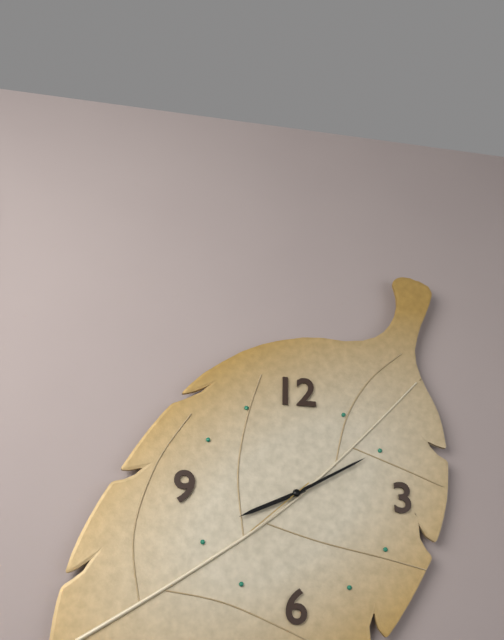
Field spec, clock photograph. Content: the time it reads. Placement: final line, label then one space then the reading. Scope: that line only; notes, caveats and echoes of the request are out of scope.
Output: 8:10:38
